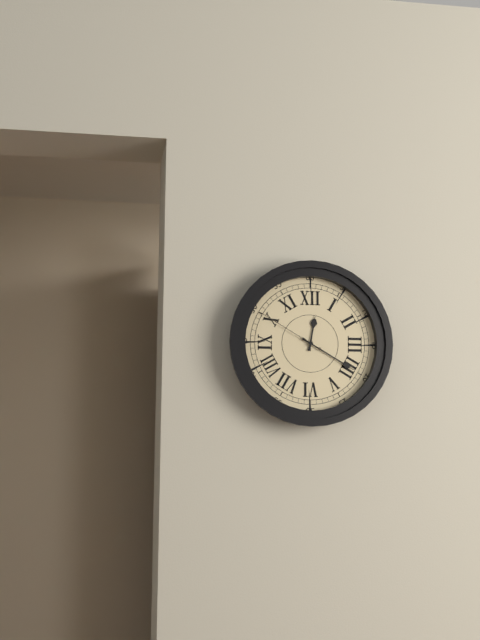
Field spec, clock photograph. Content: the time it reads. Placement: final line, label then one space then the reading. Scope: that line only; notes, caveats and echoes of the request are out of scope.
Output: 12:20:50
